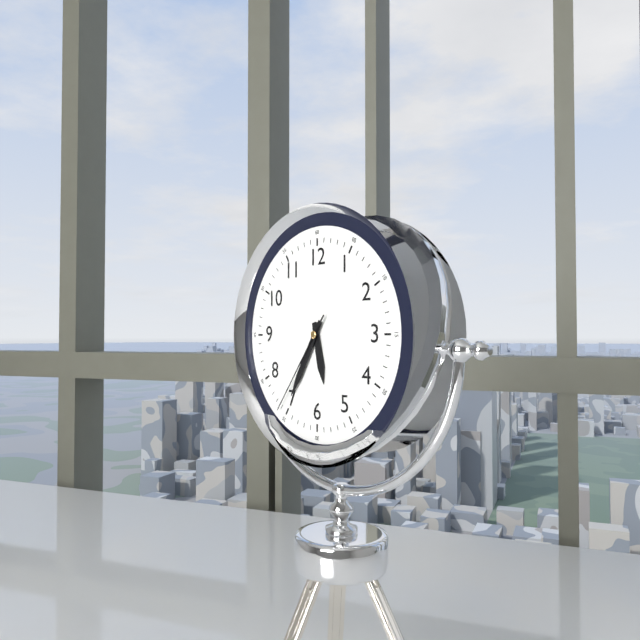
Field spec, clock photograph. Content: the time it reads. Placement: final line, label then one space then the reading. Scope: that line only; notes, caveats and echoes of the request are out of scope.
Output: 5:35:36
